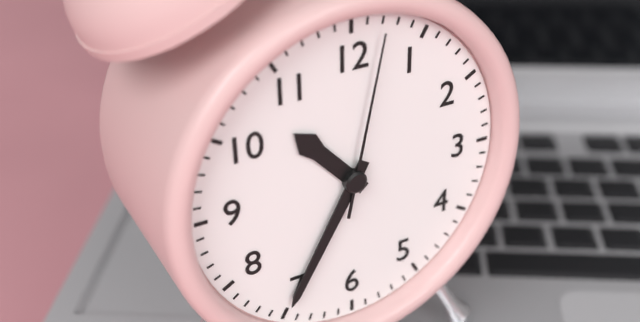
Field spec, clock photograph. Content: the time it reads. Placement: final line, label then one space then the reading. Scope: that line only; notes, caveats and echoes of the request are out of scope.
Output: 10:35:02
